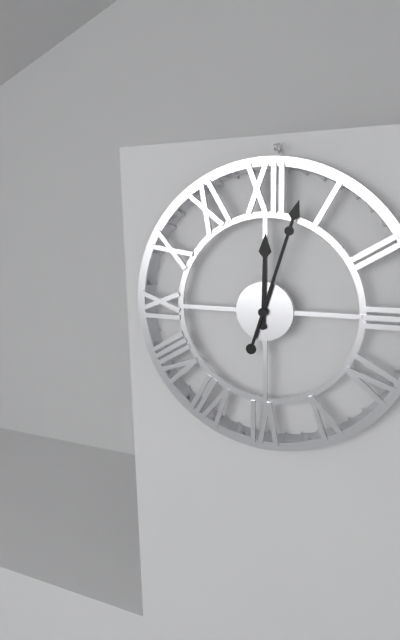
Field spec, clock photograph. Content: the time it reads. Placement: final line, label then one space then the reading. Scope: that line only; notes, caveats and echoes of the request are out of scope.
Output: 12:03
